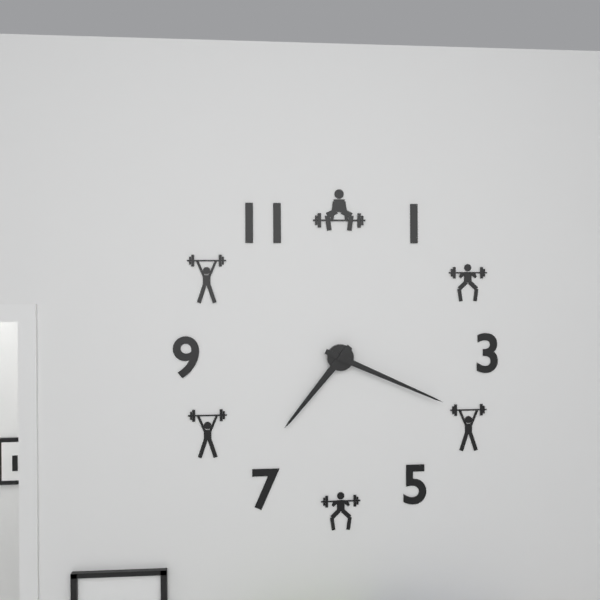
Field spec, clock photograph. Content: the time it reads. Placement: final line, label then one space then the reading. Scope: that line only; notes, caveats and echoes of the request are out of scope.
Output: 7:19
